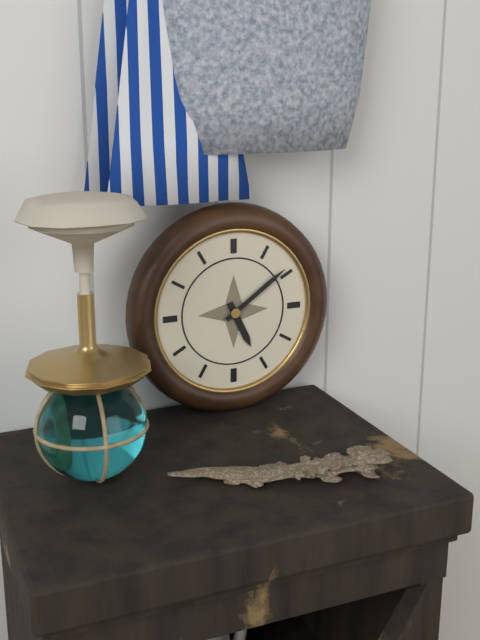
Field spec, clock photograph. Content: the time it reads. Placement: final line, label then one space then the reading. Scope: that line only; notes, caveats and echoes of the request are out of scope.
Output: 5:09
